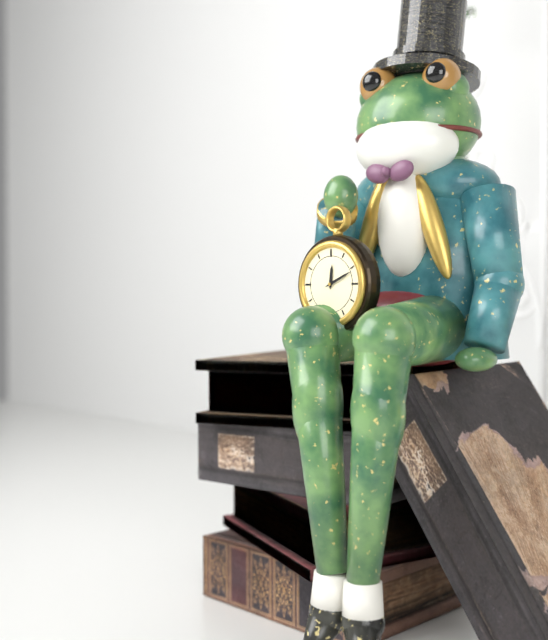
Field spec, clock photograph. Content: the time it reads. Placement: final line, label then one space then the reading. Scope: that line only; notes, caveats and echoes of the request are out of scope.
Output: 12:11
